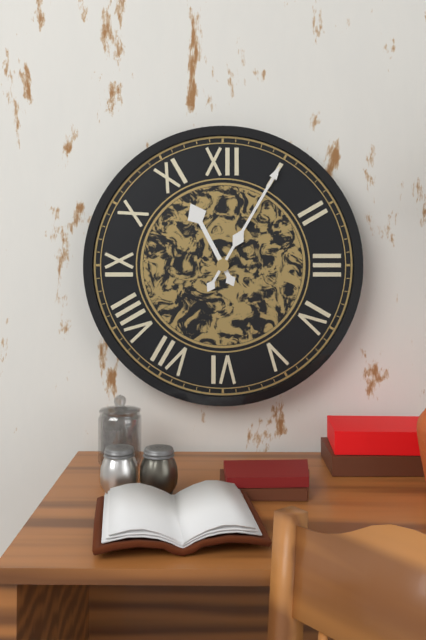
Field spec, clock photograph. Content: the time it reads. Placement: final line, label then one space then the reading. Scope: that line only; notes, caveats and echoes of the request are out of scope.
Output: 11:05
